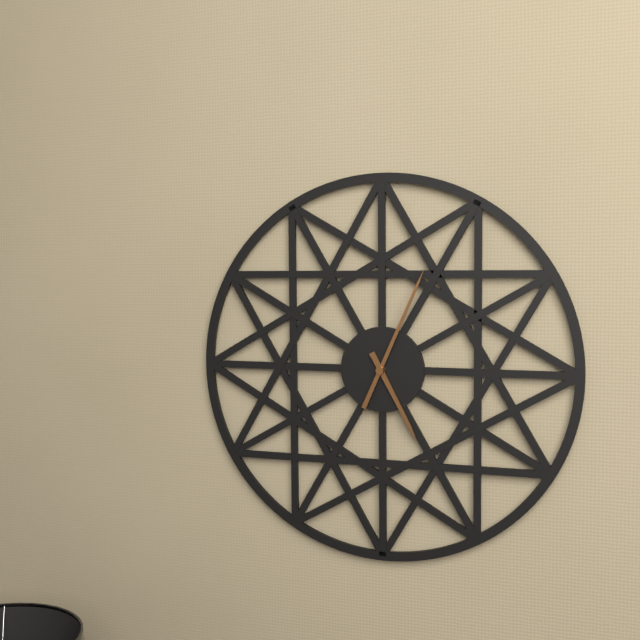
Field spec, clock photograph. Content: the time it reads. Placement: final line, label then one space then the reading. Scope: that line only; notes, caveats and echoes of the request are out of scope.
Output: 5:04
